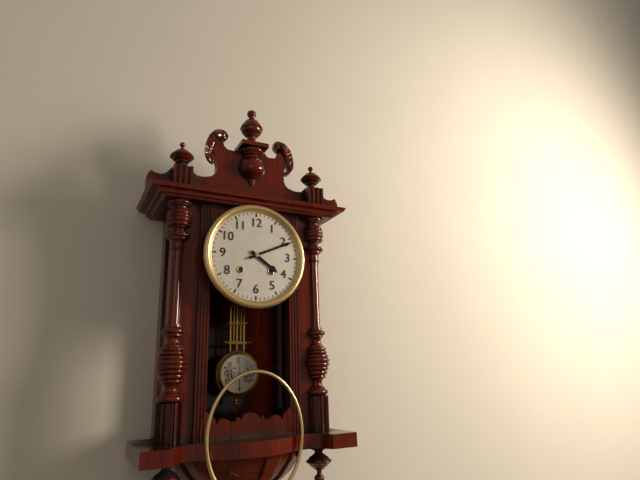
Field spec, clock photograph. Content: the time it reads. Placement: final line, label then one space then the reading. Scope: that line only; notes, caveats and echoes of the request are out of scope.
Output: 4:11
